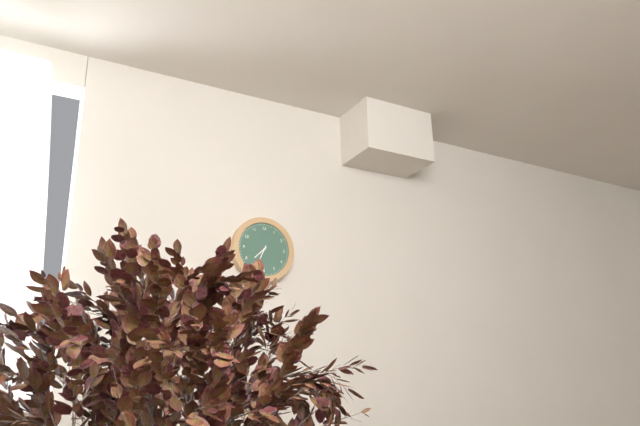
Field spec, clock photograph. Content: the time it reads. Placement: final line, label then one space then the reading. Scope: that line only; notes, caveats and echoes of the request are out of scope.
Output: 7:34
